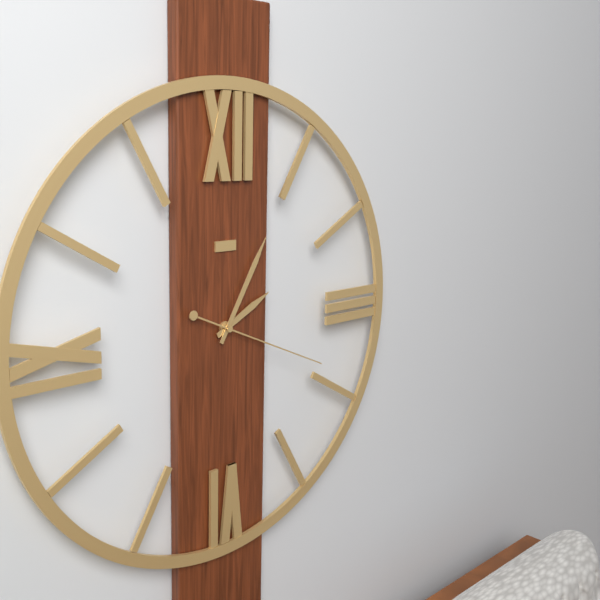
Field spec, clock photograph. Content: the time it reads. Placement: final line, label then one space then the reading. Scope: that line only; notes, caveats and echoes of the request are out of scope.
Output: 2:05:19
